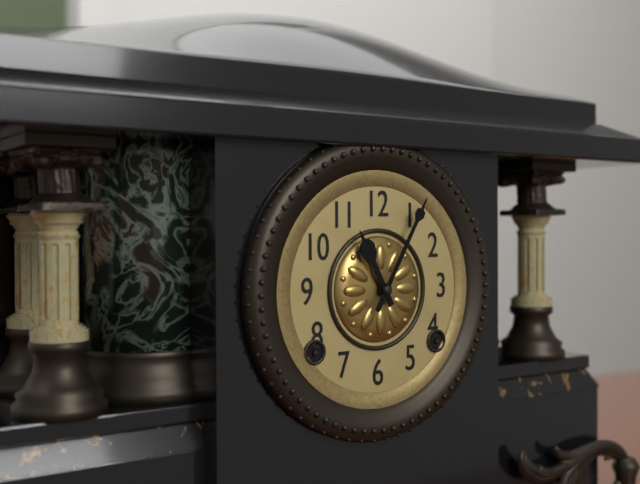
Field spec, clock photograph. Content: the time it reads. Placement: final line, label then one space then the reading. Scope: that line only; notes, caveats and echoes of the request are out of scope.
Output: 11:05
